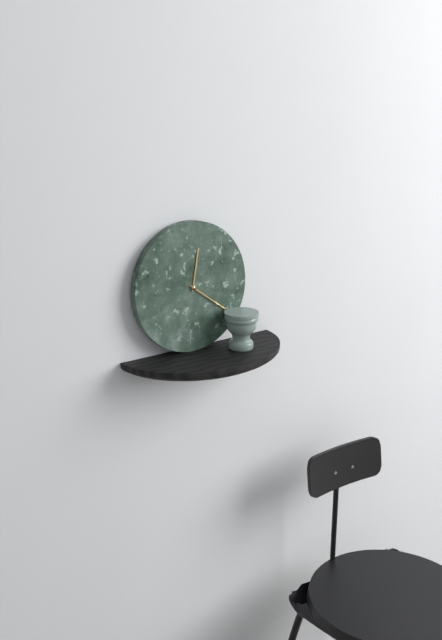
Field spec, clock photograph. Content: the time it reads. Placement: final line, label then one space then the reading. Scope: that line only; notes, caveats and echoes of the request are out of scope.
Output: 12:21
